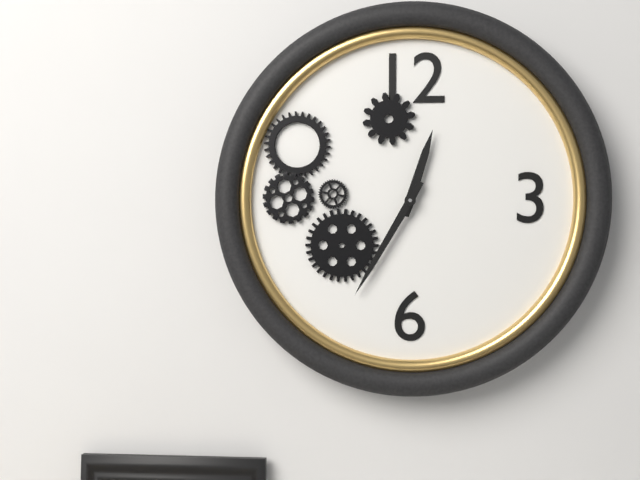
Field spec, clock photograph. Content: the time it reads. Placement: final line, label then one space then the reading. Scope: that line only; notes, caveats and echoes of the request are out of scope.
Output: 12:35
